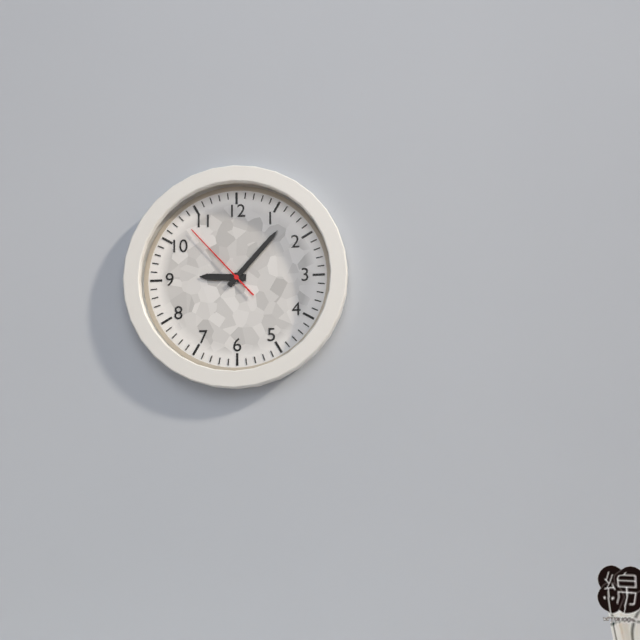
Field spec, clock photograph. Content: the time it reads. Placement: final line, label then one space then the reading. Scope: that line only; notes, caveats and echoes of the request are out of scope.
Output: 9:07:53
